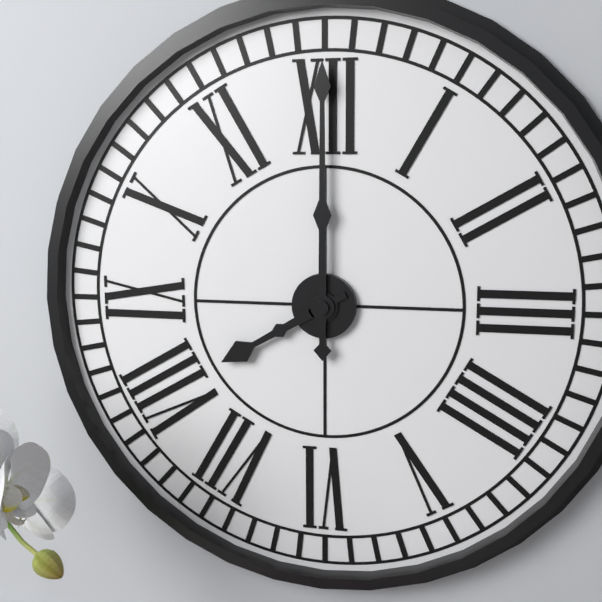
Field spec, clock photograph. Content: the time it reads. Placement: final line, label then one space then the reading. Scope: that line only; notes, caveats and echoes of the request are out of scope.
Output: 8:00
